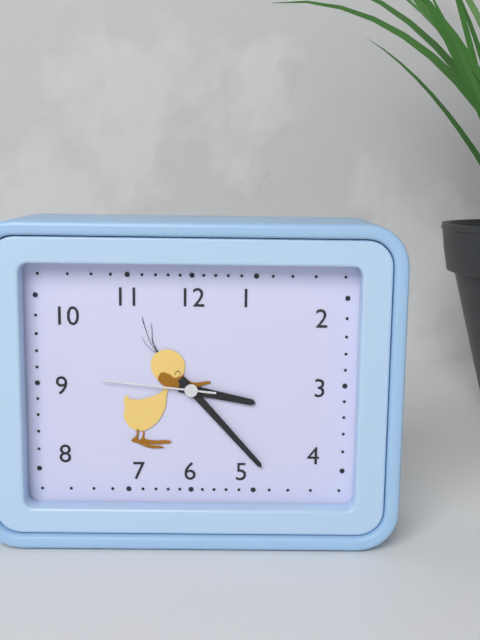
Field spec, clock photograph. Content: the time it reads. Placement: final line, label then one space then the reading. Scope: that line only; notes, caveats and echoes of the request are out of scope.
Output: 3:23:46
